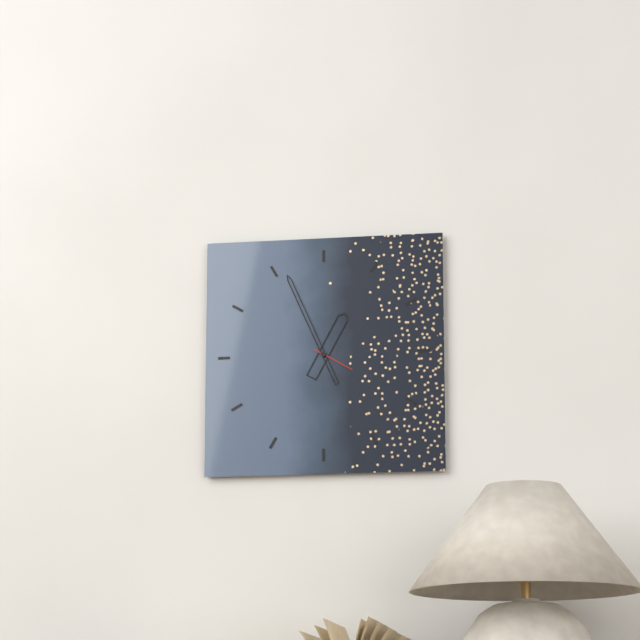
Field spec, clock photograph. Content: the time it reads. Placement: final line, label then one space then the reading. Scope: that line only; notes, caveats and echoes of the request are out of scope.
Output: 12:56
